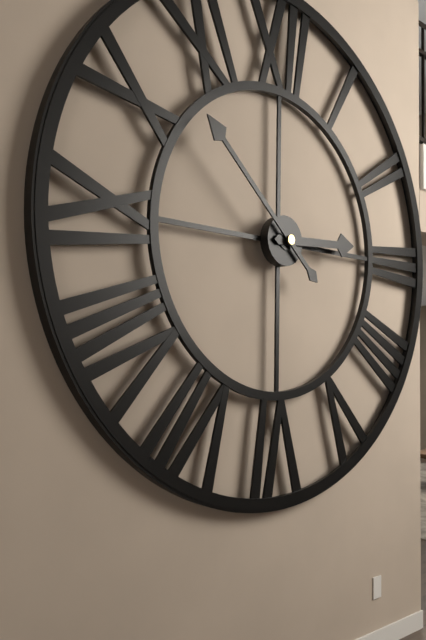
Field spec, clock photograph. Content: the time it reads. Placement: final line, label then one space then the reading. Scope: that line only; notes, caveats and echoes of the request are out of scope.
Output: 2:52
